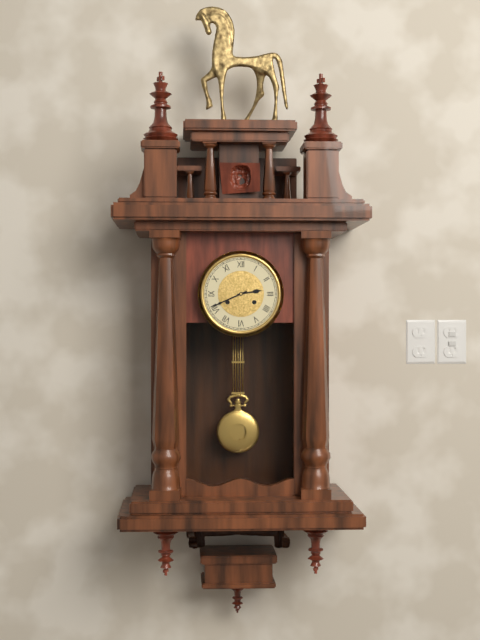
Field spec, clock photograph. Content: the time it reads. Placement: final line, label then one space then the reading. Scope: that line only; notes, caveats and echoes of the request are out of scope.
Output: 2:41
